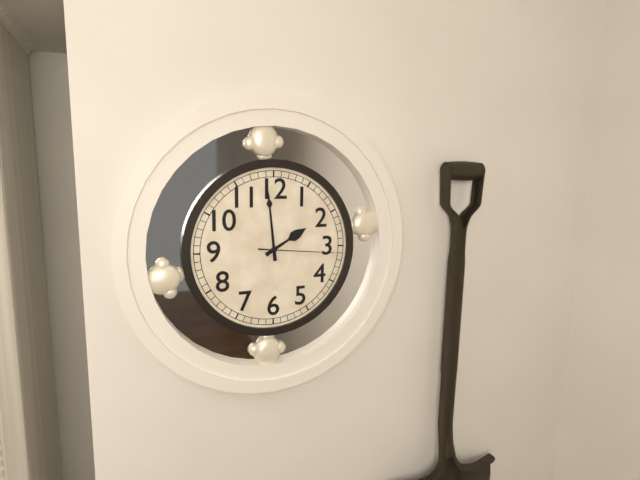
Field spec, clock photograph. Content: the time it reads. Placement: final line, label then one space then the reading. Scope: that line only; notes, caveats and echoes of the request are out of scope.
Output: 1:59:16
